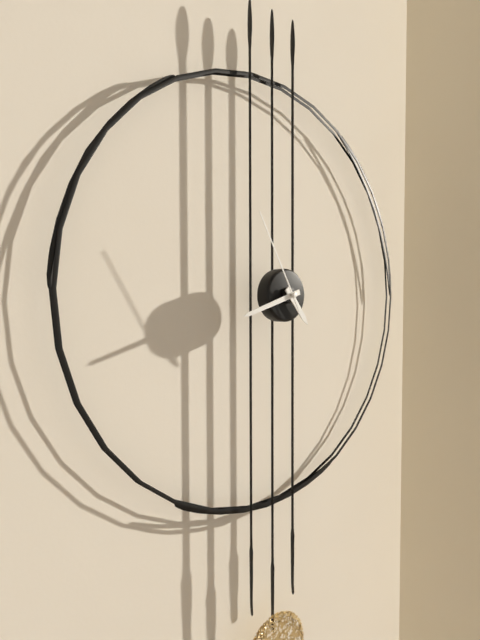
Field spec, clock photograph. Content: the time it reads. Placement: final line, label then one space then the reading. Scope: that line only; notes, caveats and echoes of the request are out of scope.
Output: 4:42:55
